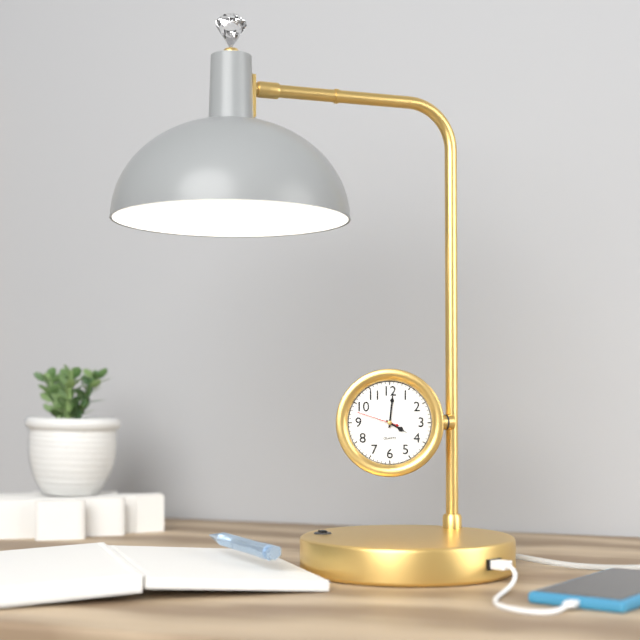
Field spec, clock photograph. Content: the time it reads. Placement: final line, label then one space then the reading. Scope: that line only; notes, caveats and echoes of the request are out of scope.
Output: 4:01
